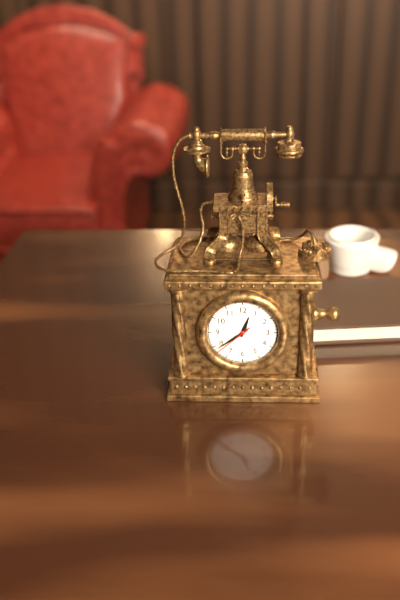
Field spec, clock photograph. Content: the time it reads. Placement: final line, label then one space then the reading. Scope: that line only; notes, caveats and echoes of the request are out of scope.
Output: 12:39
